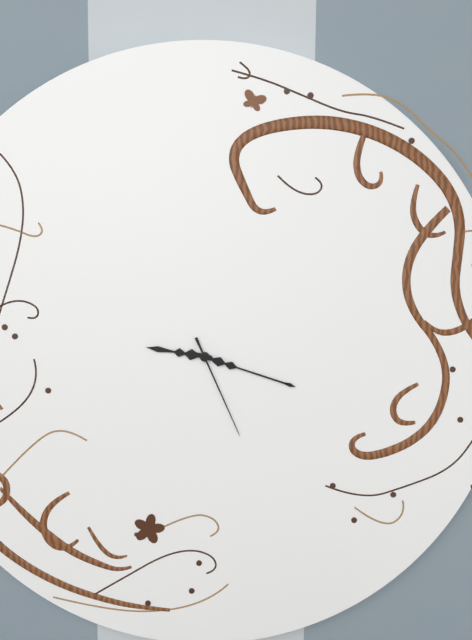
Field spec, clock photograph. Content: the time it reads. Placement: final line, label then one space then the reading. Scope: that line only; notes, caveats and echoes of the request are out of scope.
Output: 9:18:26
